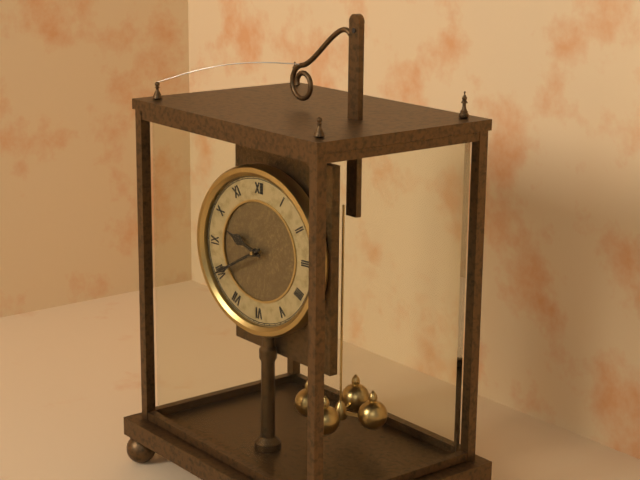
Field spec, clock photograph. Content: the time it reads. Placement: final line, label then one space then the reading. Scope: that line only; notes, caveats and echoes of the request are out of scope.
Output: 9:40
